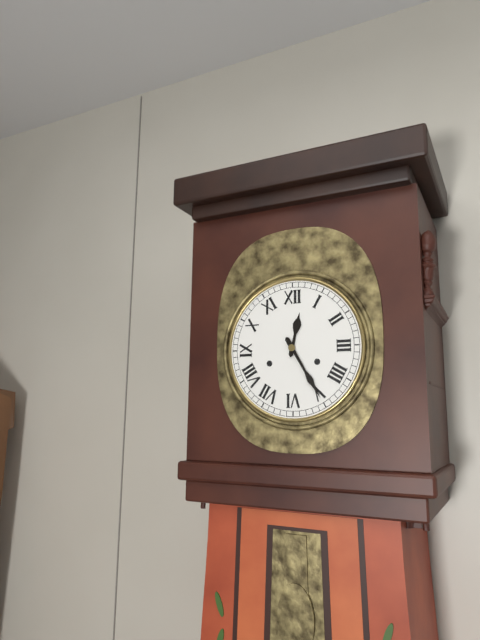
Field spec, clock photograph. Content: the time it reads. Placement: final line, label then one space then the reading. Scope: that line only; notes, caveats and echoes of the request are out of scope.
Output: 12:25
